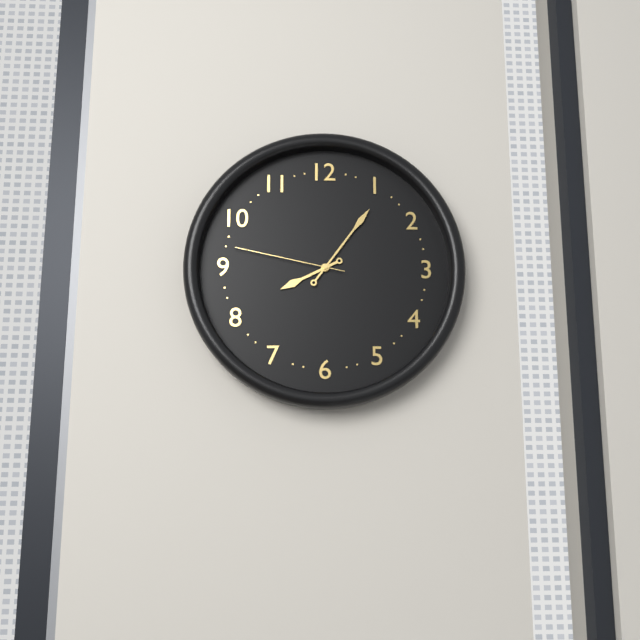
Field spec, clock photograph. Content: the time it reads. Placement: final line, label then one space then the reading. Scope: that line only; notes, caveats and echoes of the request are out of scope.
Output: 8:06:47
